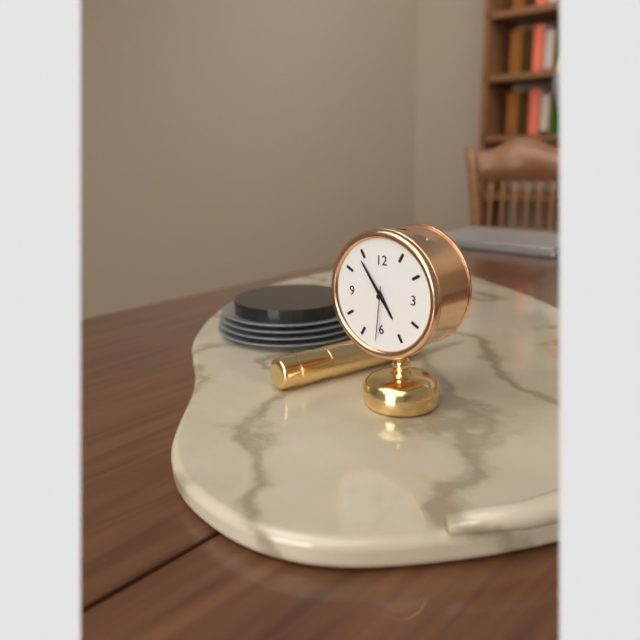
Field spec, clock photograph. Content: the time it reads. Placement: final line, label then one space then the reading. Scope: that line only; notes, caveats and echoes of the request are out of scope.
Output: 4:54:31
